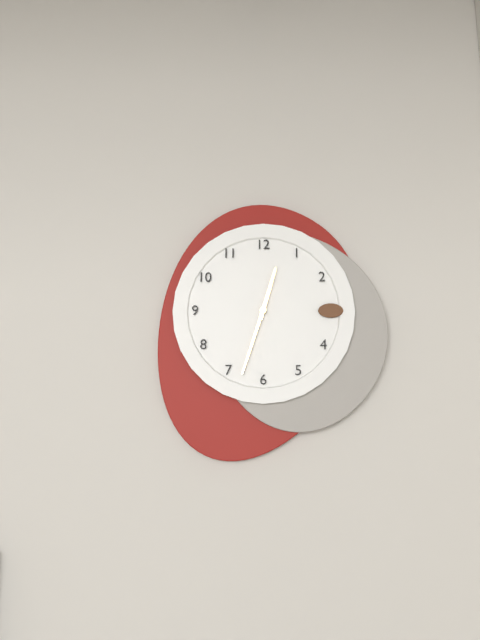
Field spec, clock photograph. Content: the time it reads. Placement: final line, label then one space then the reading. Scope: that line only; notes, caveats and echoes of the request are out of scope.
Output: 12:33
